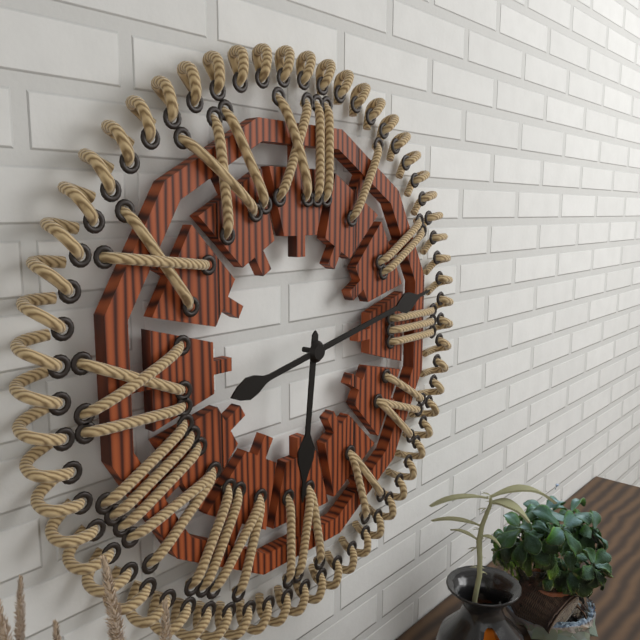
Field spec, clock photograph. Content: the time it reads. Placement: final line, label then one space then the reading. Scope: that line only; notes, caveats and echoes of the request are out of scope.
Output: 6:13
